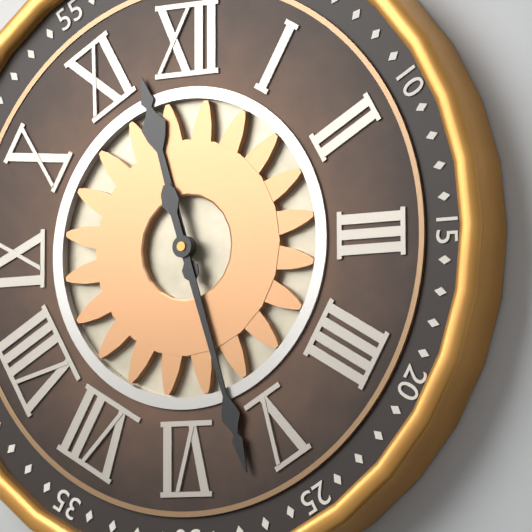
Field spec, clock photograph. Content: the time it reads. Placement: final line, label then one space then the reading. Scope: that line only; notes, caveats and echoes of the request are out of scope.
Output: 11:27
